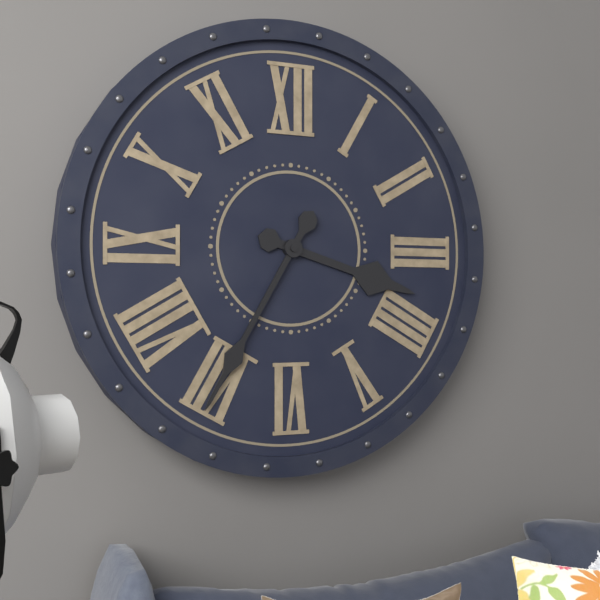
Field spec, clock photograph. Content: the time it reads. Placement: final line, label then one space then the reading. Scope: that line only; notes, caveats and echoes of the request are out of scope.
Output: 3:35
